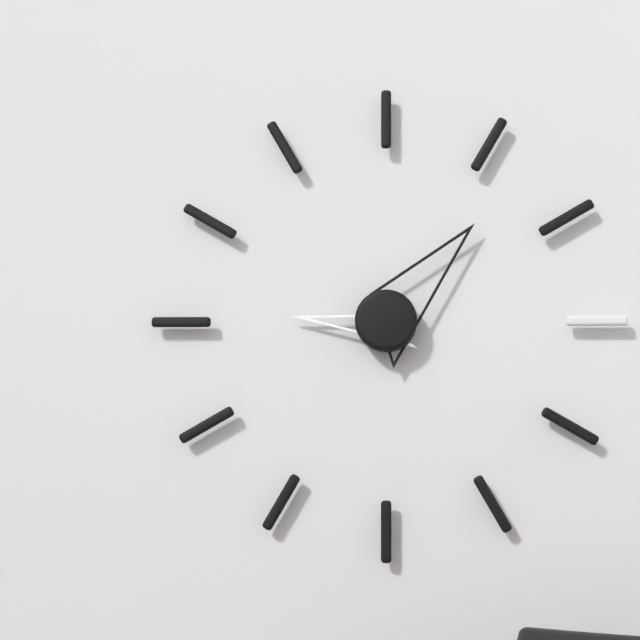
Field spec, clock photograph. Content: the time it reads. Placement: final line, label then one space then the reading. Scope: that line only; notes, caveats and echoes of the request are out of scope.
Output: 9:07
